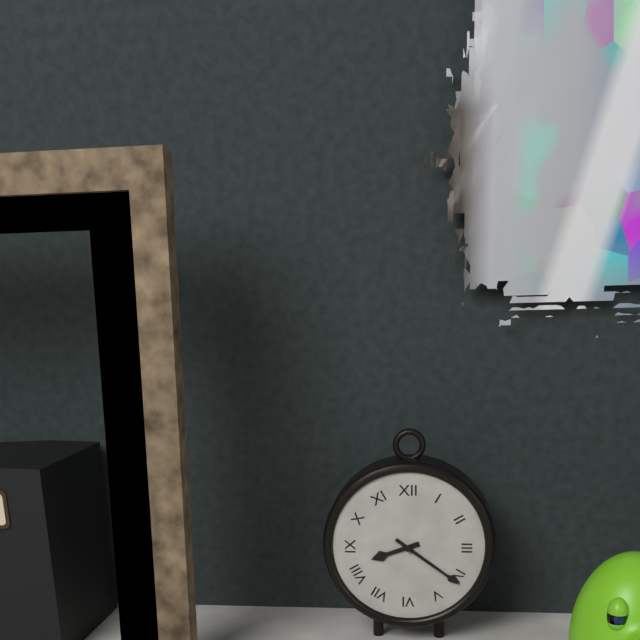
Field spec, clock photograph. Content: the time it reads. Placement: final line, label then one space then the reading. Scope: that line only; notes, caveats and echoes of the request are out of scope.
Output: 8:21
